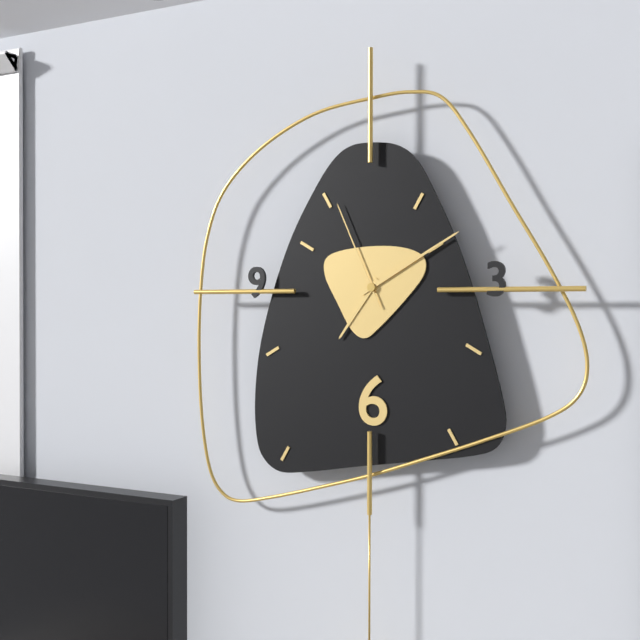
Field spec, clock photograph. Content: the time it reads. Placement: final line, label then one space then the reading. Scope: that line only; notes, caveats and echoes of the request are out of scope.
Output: 7:10:56
